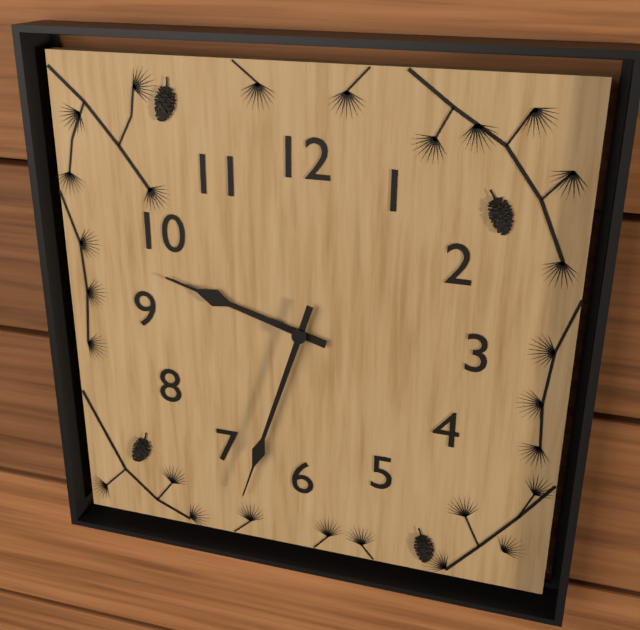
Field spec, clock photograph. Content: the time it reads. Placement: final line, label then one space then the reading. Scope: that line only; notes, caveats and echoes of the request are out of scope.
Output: 9:33
